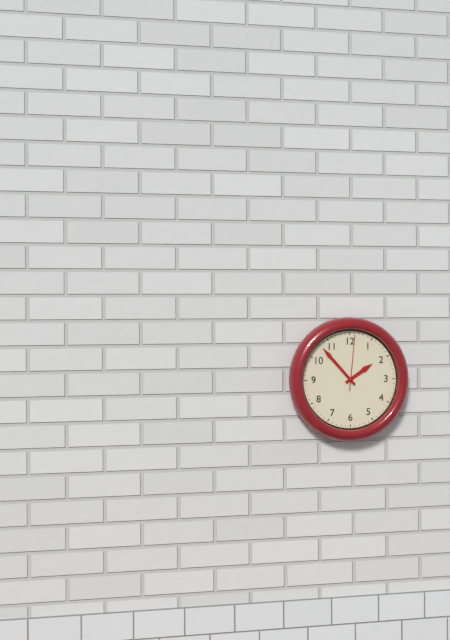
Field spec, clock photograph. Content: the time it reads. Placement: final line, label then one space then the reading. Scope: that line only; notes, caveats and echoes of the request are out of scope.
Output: 1:53:01
